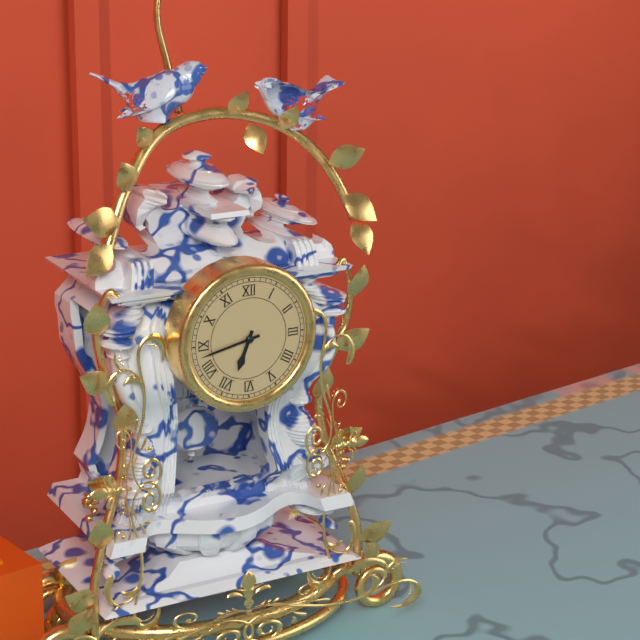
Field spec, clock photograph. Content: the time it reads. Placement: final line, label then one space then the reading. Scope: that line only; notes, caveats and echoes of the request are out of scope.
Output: 6:43
